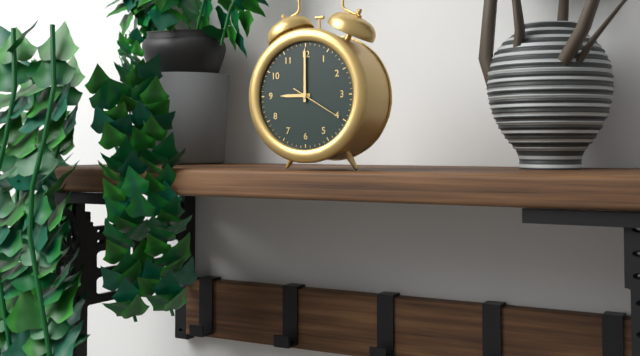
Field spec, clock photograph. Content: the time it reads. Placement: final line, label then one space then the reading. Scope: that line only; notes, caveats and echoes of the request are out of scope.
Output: 9:00:20
